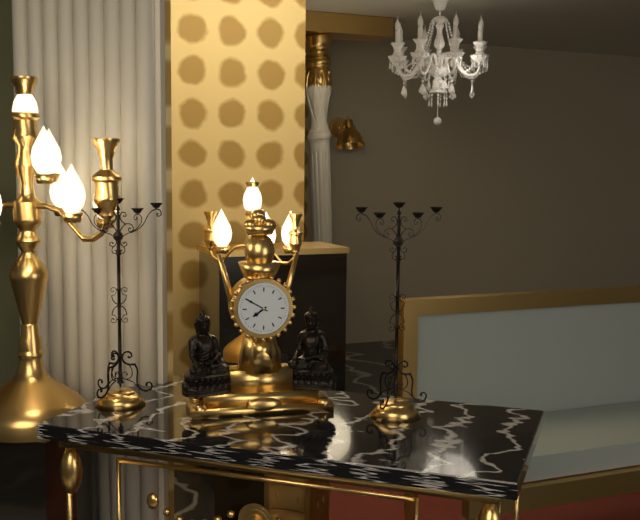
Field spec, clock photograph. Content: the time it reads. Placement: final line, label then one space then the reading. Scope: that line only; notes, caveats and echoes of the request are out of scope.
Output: 7:50
